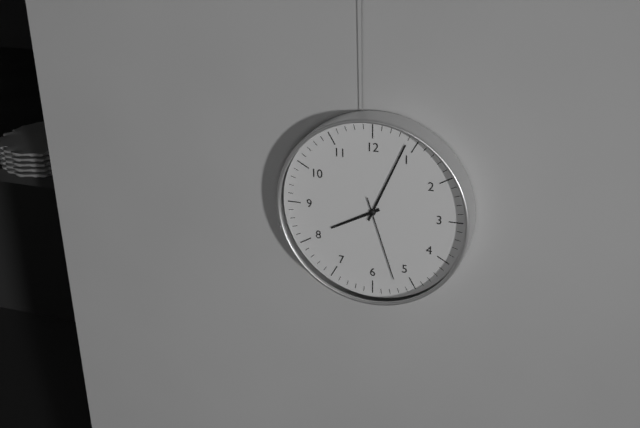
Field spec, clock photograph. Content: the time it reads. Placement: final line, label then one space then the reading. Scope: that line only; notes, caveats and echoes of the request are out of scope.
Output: 8:04:27
